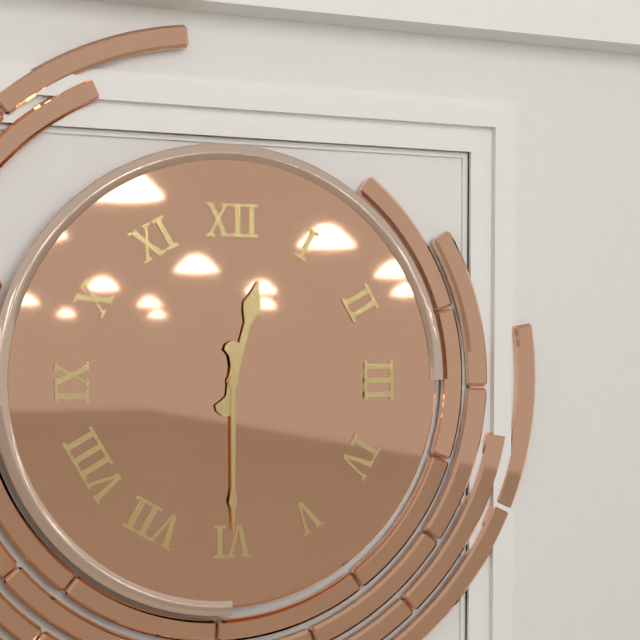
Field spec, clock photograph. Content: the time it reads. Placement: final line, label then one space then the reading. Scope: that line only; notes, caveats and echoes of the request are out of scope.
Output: 12:30
